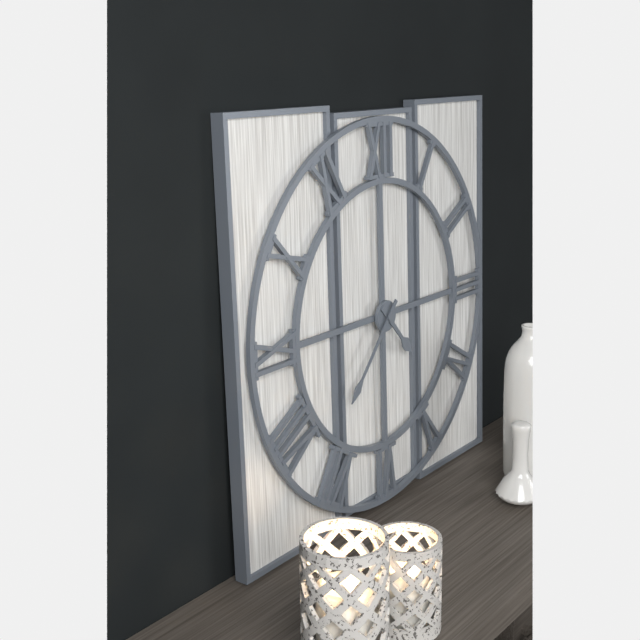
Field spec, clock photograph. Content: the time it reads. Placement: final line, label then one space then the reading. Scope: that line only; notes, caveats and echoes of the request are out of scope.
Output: 4:37
